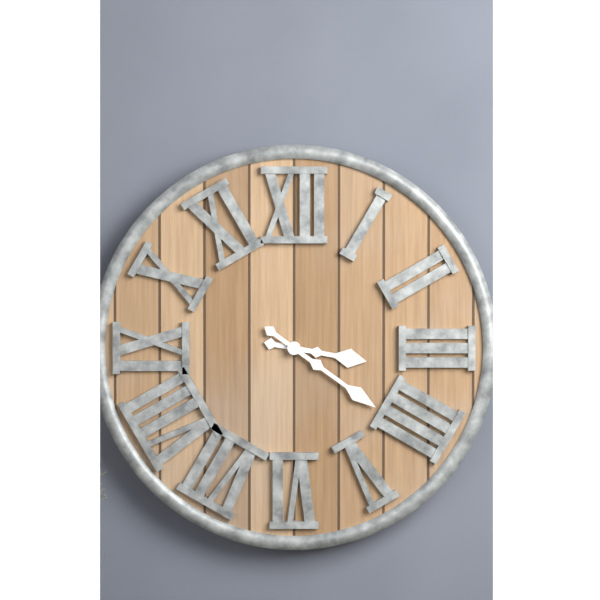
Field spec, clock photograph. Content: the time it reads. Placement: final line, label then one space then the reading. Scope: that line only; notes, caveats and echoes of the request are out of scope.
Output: 3:21
